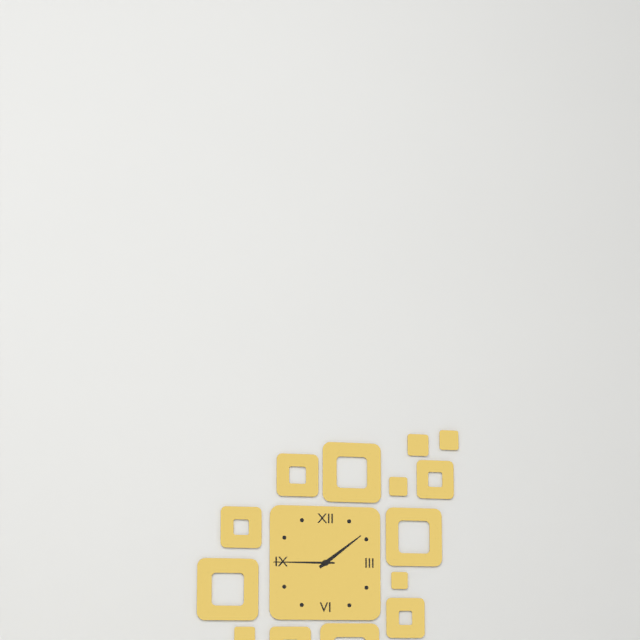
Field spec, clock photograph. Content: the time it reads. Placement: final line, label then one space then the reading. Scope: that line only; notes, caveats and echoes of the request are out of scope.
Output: 1:45
